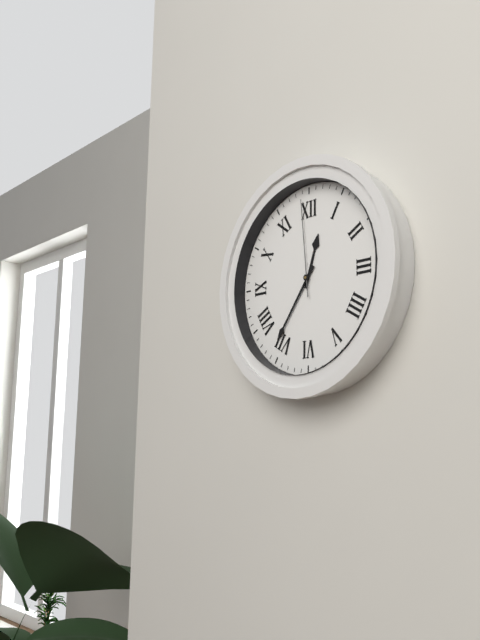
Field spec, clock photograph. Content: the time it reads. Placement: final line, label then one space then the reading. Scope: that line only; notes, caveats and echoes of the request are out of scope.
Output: 12:36:59
